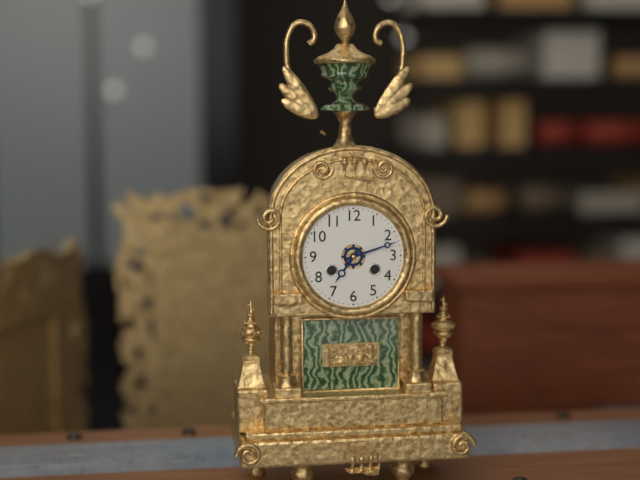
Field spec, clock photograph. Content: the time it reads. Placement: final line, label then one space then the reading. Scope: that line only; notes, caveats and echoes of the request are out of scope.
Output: 7:12
